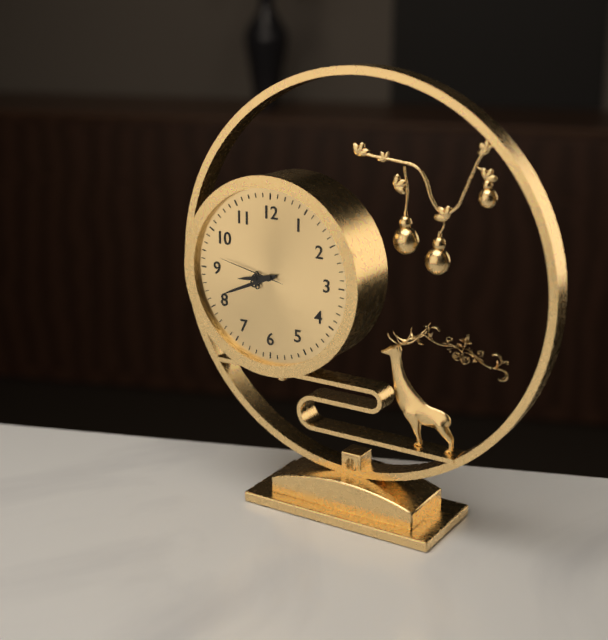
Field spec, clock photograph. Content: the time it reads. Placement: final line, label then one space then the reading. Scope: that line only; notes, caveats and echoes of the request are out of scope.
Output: 8:41:47
